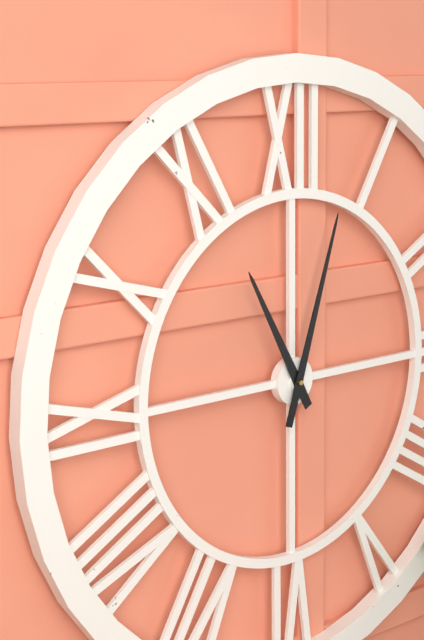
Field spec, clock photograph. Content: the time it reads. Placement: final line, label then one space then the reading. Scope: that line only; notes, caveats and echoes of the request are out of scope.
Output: 11:03
